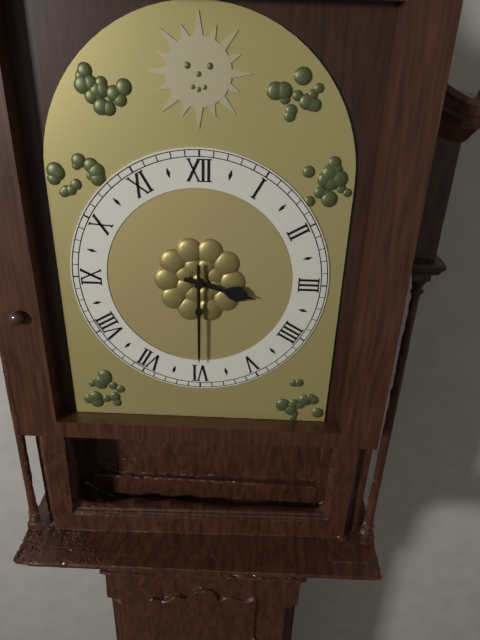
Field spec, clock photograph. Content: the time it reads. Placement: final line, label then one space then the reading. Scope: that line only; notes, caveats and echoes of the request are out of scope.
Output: 3:30
